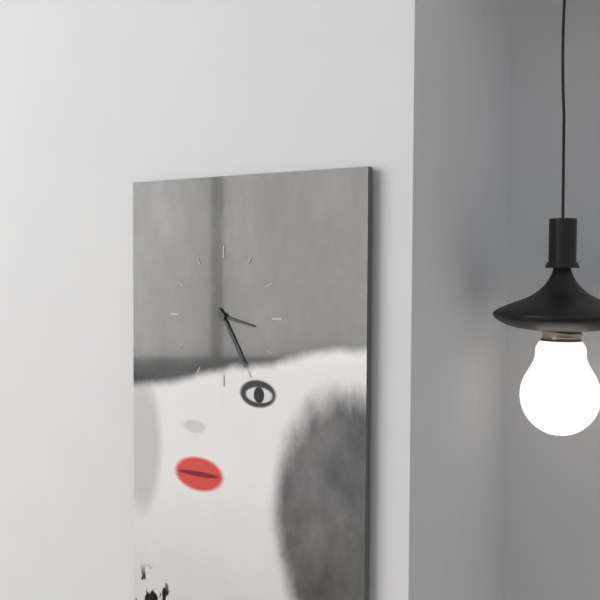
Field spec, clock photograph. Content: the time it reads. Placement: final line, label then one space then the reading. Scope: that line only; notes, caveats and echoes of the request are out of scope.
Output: 3:25
